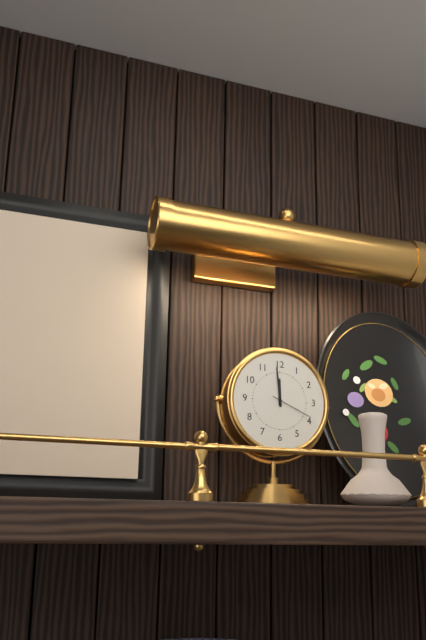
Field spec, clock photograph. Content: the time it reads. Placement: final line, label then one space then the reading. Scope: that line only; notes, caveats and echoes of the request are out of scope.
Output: 11:59
